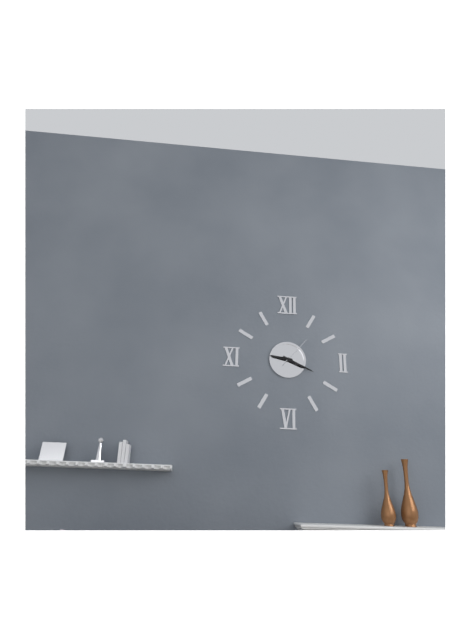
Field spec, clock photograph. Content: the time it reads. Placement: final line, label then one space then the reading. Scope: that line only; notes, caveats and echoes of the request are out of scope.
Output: 9:19
